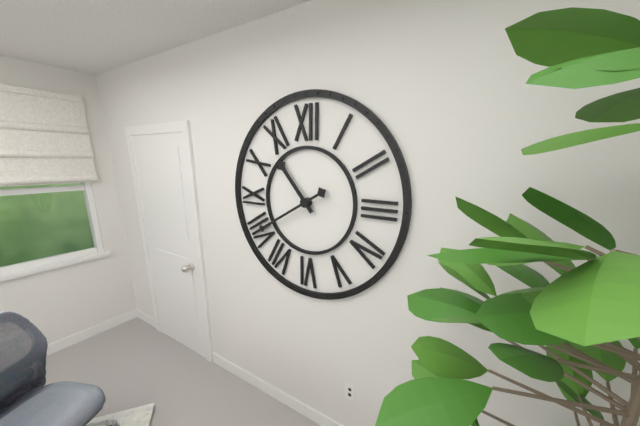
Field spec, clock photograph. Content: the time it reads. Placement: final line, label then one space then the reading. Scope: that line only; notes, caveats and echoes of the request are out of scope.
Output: 10:40
